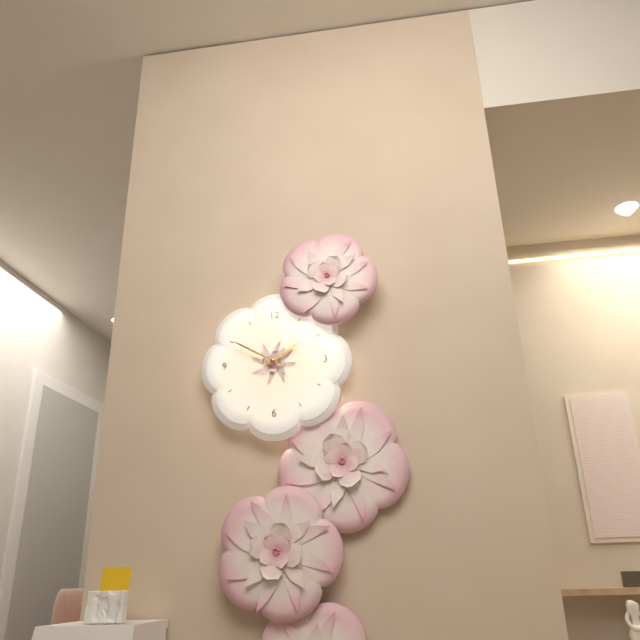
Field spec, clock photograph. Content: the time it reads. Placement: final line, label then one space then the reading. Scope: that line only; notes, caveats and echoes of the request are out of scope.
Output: 1:50
